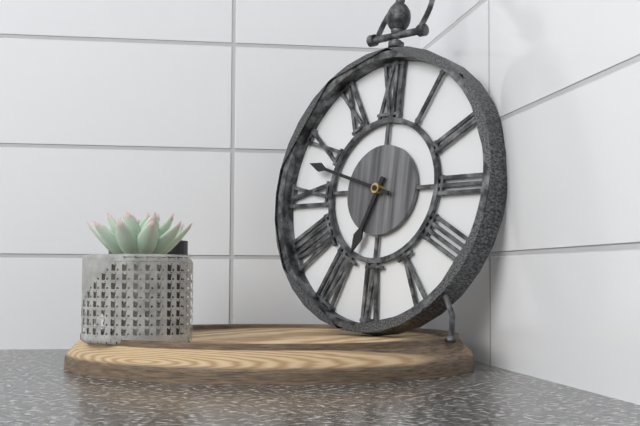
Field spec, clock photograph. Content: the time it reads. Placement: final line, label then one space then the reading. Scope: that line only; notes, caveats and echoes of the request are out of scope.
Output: 6:48
